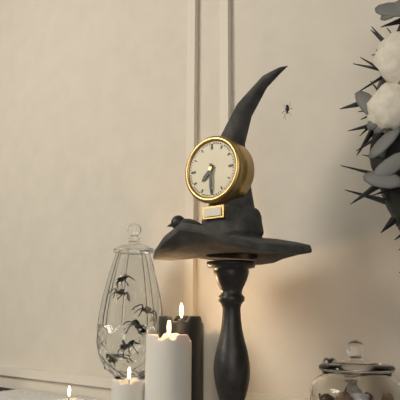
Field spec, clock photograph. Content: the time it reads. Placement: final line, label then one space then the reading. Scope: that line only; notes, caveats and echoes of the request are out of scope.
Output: 7:30
